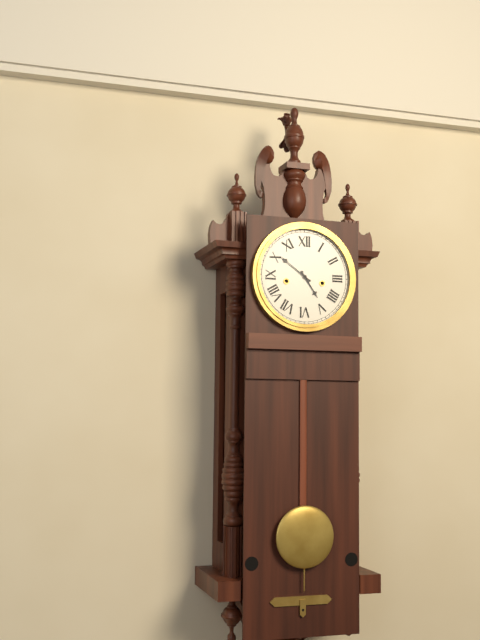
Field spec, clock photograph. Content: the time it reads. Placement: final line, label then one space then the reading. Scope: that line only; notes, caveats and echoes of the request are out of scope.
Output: 4:51
